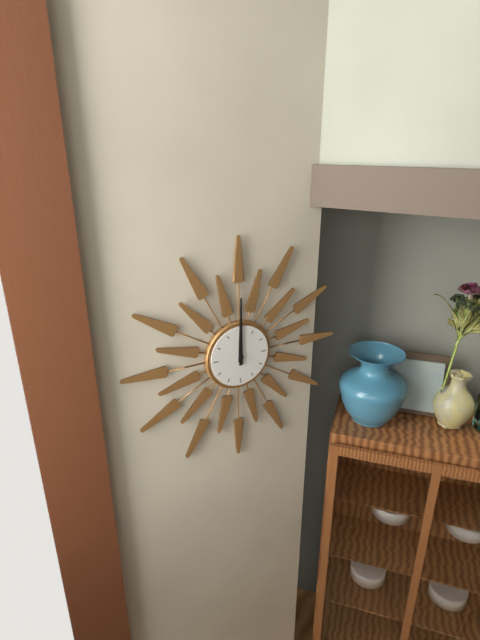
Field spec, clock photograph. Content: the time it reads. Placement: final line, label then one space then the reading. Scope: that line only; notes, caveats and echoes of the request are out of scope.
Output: 12:00
